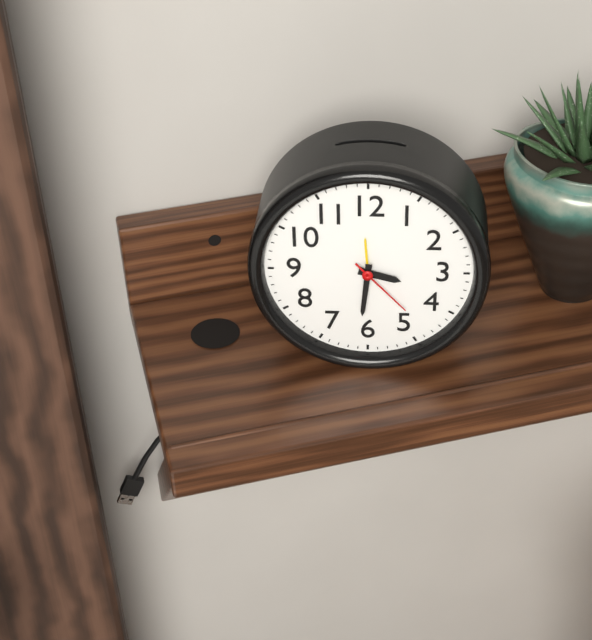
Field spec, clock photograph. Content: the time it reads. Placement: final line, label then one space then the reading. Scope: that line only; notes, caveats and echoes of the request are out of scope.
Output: 3:31:23
